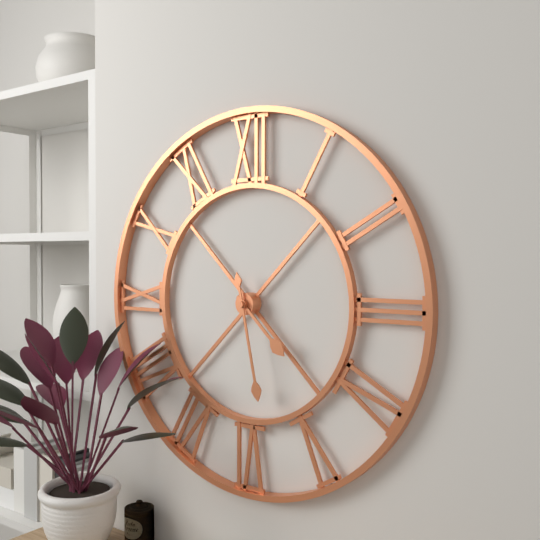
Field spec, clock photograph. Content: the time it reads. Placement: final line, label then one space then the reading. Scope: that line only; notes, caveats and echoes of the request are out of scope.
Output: 4:28
